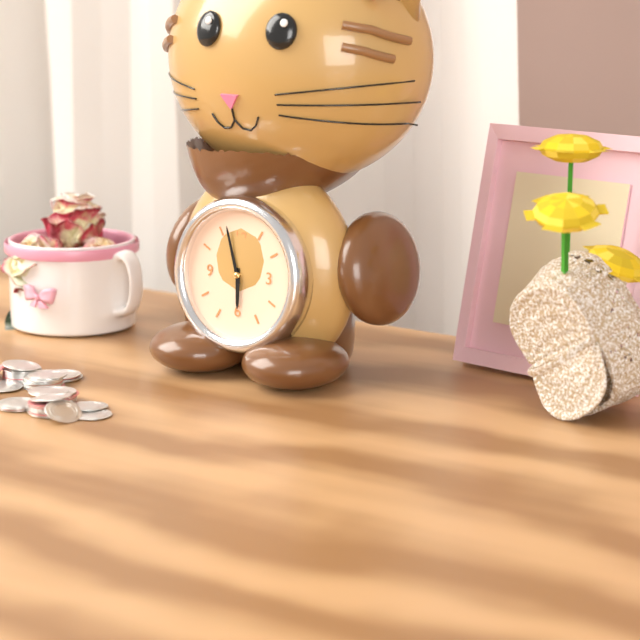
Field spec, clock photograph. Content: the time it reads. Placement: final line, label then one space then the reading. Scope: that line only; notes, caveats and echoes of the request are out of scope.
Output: 5:57
